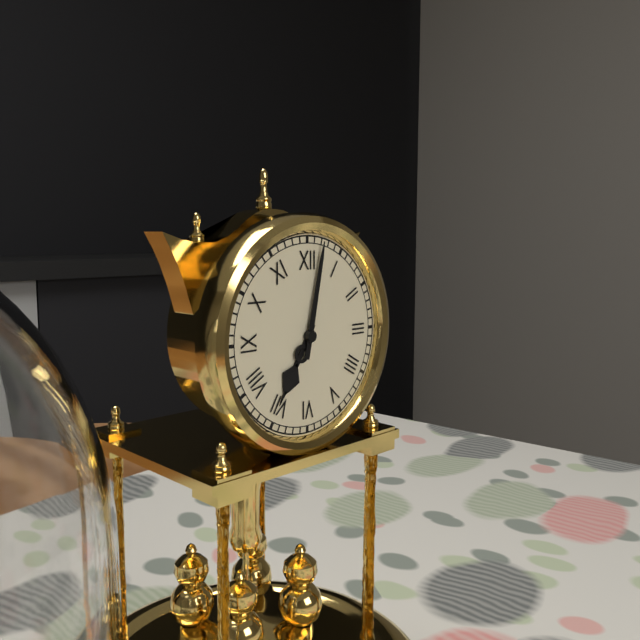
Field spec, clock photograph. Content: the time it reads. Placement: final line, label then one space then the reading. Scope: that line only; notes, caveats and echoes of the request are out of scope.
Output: 7:02
